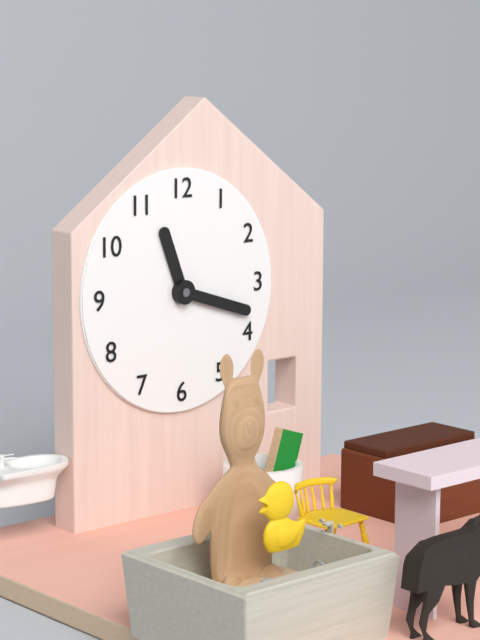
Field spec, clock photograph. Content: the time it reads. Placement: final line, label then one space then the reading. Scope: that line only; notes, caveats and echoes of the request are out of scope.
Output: 11:18
